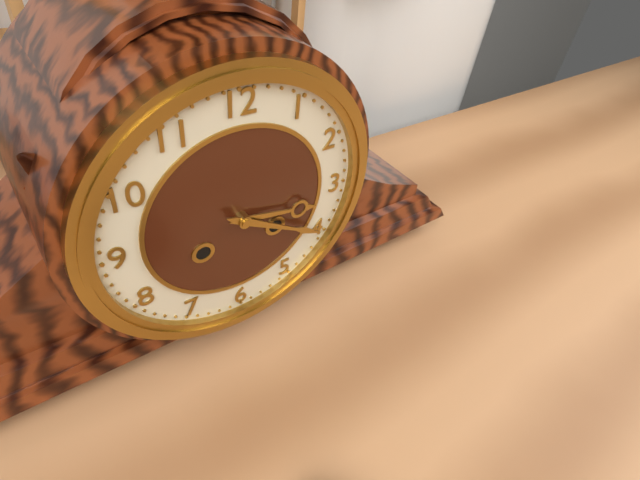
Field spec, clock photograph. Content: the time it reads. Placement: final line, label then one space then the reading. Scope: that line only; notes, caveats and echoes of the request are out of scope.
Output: 3:20
